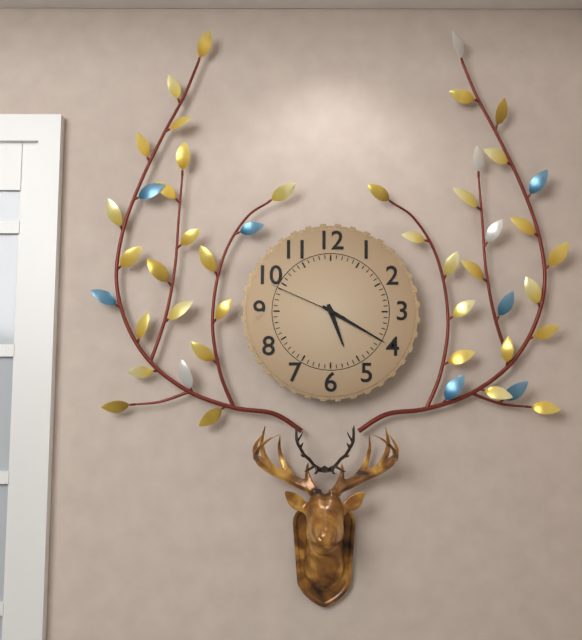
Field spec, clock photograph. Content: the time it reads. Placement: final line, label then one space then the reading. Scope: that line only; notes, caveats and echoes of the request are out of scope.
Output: 5:20:49
